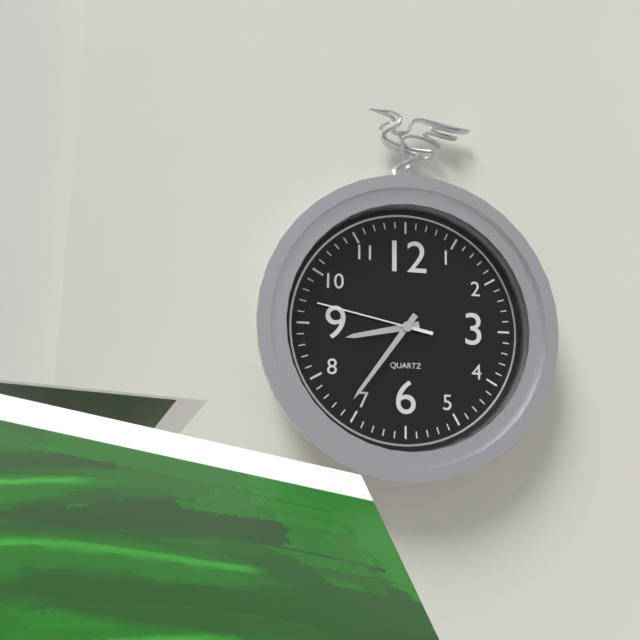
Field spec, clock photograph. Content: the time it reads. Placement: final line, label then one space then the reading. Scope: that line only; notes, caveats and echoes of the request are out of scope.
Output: 8:36:47
